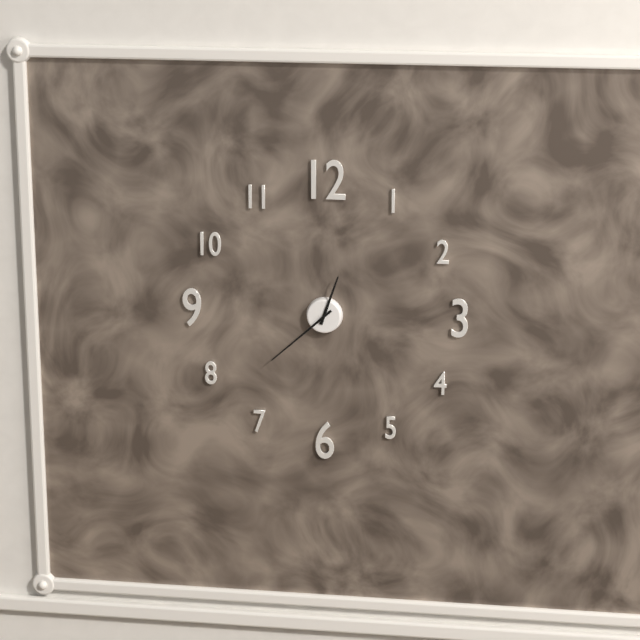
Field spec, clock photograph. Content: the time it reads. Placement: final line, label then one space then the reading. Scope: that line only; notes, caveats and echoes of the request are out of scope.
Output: 12:38
